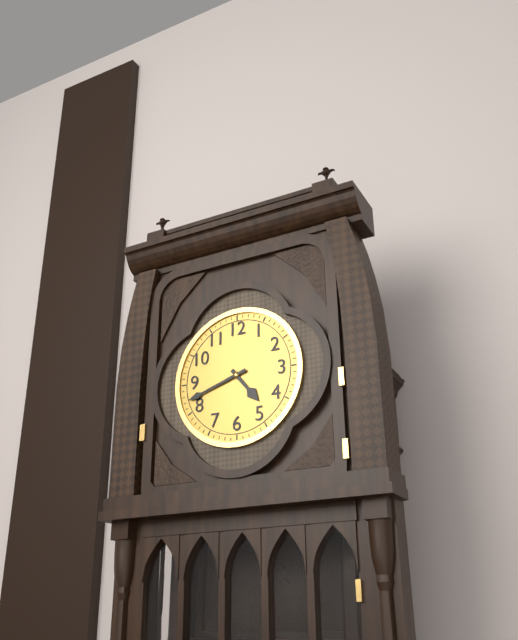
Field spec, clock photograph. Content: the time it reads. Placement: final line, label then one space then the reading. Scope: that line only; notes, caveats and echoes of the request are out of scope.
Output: 4:42
